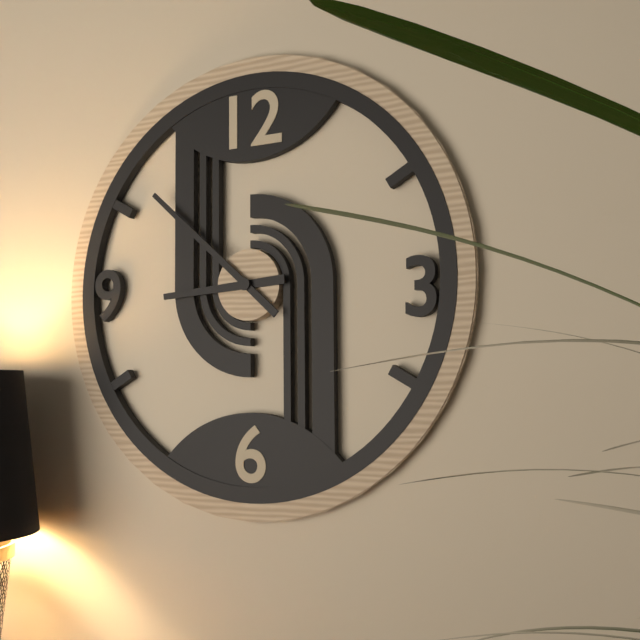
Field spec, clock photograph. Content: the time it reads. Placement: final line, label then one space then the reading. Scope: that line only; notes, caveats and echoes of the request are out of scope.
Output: 8:52
